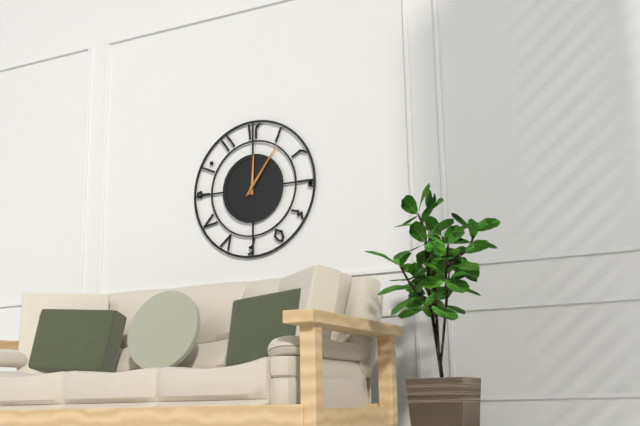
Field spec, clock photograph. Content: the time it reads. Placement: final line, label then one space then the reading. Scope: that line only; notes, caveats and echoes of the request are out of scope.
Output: 12:06
